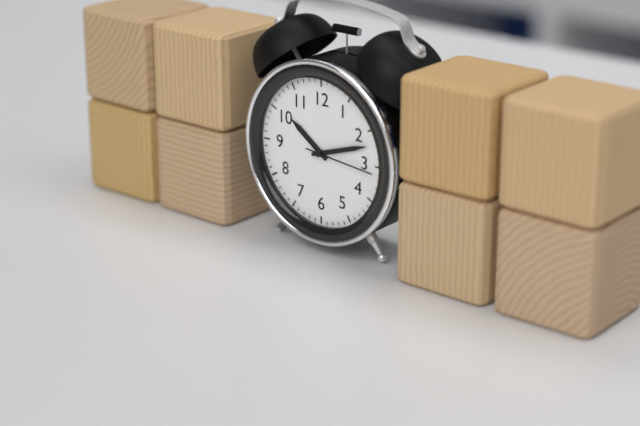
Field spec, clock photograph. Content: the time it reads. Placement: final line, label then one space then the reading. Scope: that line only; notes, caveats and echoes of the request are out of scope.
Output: 10:12:16
